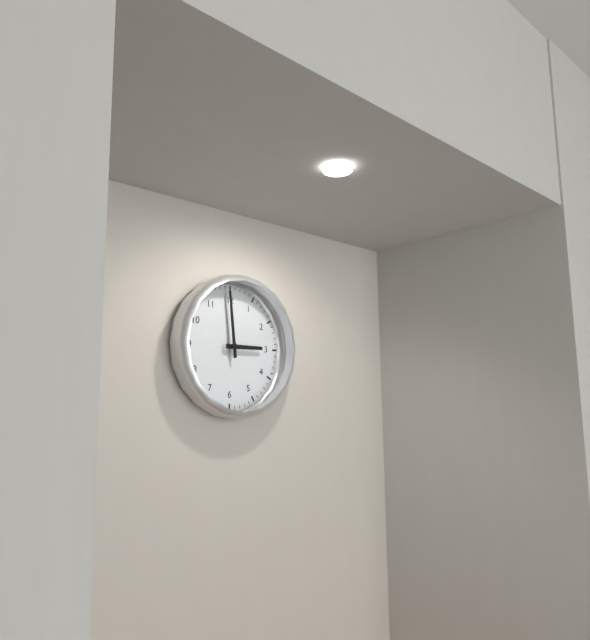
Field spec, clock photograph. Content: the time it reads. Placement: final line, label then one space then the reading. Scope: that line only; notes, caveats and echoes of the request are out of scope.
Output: 2:59
